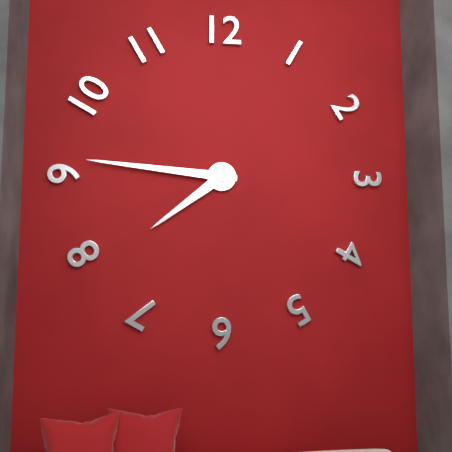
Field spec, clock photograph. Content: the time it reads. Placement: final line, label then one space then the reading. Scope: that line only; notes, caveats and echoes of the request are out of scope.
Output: 7:46
